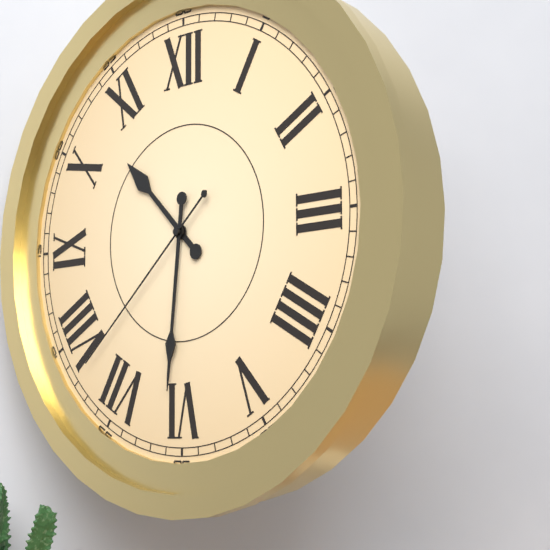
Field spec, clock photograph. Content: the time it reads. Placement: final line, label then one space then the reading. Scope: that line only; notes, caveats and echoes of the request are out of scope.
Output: 10:31:38
